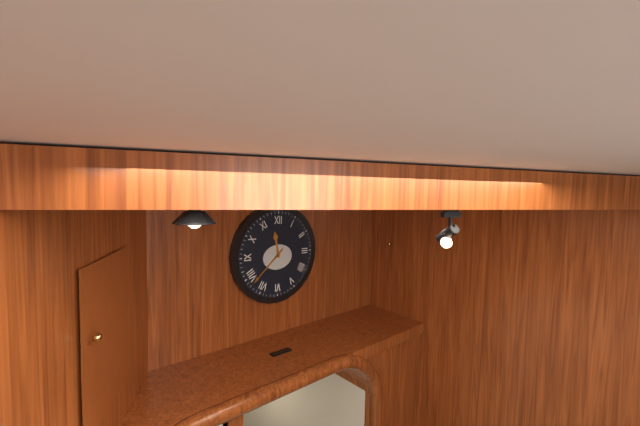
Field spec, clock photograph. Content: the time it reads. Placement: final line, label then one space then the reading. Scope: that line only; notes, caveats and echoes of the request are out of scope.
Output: 11:38
